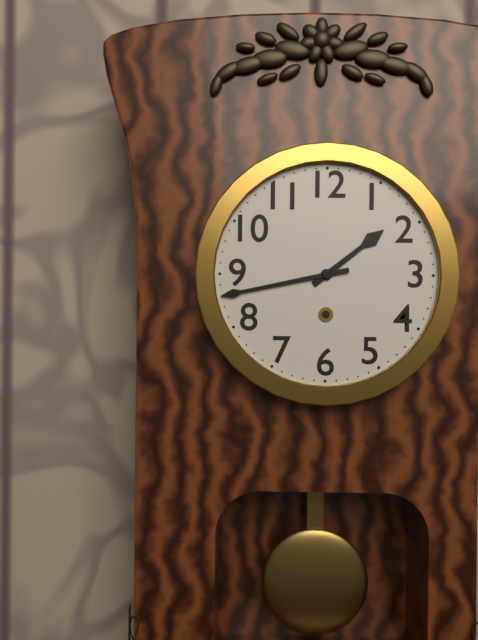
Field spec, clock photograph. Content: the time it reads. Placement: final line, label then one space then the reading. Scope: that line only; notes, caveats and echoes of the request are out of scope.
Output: 1:43
